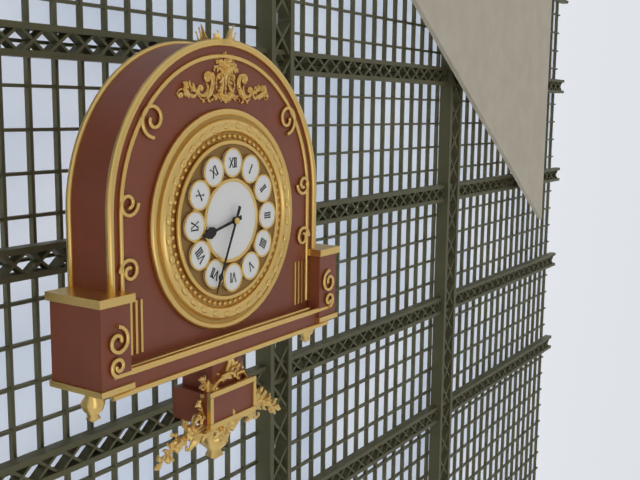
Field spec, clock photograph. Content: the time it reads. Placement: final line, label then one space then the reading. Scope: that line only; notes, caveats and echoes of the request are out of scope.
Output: 8:34
